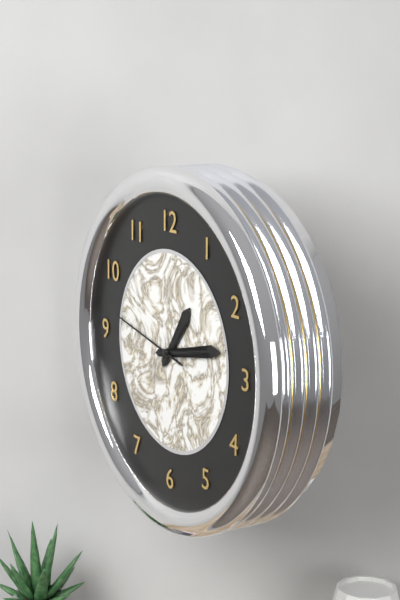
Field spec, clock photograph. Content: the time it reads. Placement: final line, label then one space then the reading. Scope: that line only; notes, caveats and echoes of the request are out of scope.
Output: 1:13:47
